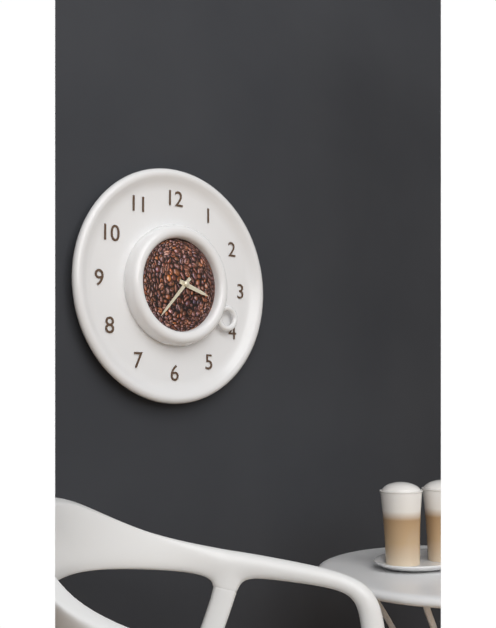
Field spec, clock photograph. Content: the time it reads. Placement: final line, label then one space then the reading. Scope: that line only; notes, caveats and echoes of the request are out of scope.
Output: 3:37
